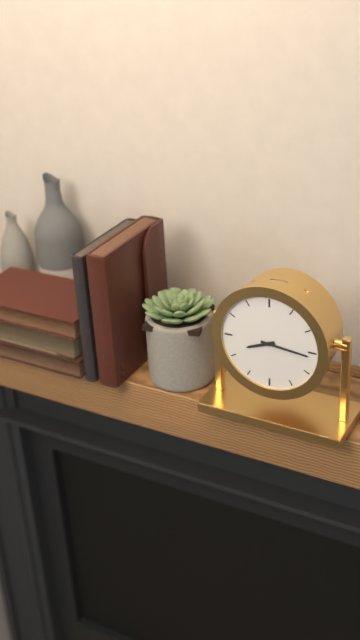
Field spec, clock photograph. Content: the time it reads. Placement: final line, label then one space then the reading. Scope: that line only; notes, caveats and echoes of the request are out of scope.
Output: 8:16
